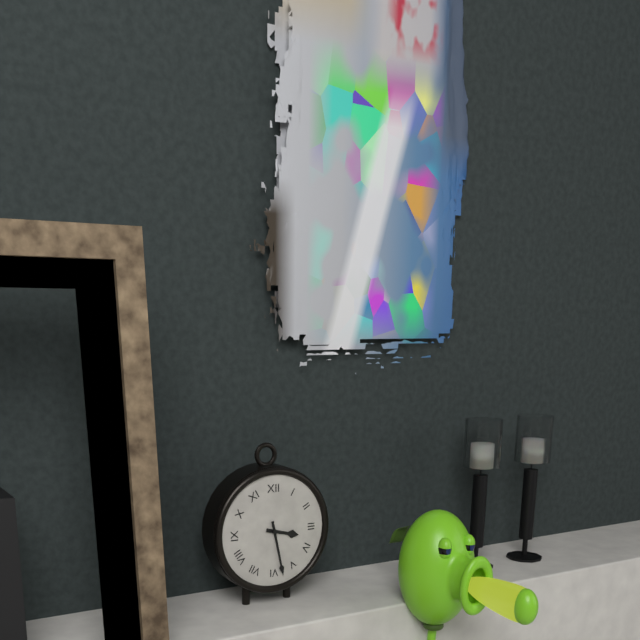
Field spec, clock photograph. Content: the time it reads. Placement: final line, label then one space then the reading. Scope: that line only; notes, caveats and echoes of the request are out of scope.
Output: 3:28
